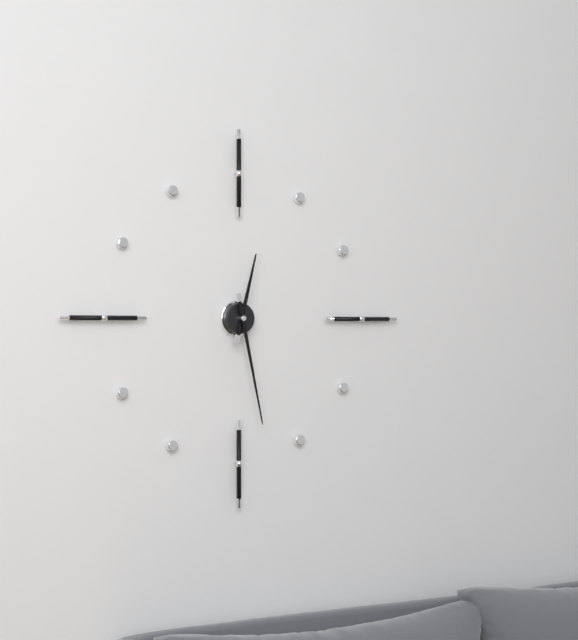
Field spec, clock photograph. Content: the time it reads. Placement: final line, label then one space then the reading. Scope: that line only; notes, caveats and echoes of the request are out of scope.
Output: 12:28
